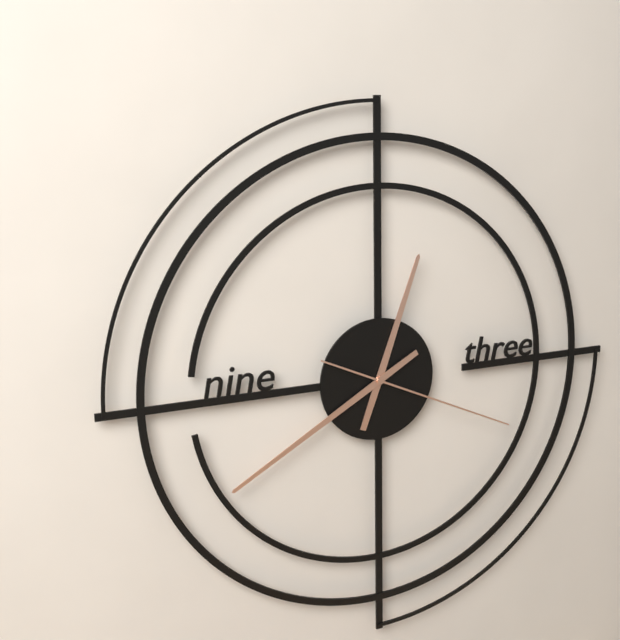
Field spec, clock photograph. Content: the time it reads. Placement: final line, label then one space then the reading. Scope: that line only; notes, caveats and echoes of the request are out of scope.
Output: 12:40:19
